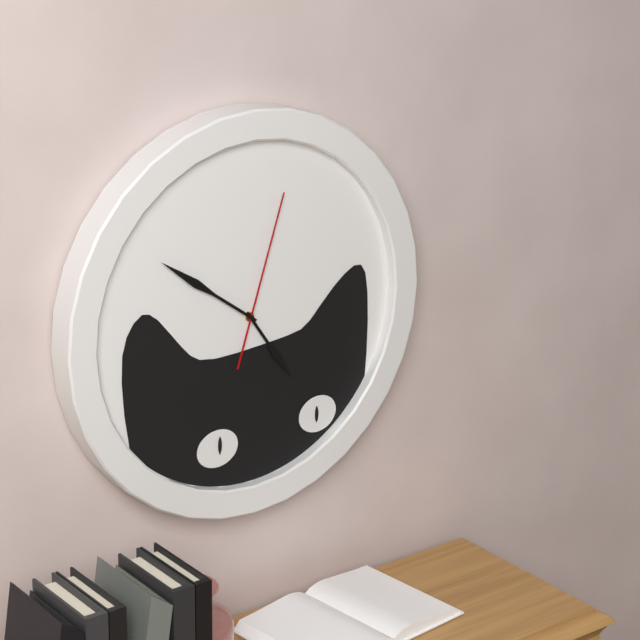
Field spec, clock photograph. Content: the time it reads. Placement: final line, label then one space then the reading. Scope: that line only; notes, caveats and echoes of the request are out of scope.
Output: 4:51:03
